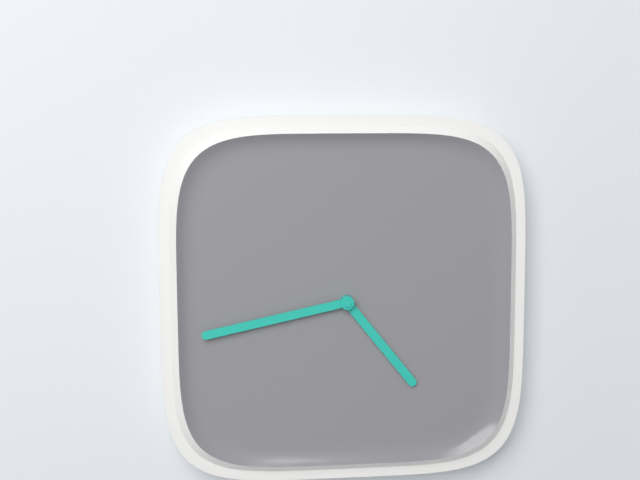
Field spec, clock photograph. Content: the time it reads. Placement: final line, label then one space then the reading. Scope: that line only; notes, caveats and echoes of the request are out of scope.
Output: 4:43
